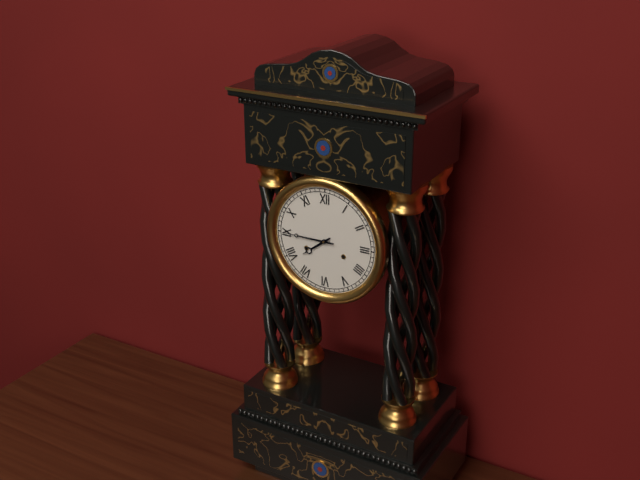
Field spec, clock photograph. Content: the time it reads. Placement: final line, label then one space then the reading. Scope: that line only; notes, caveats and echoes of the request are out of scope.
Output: 7:45
